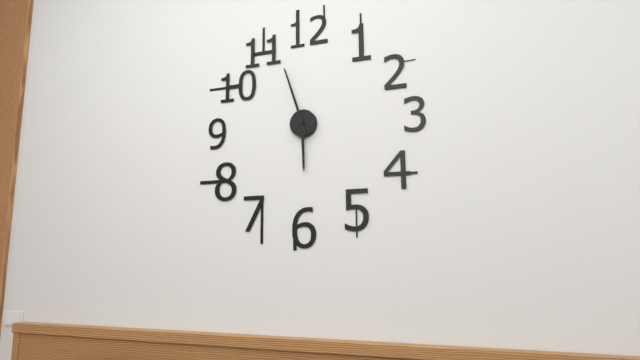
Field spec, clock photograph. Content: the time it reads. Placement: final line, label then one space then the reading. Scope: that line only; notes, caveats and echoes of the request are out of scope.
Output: 5:57
